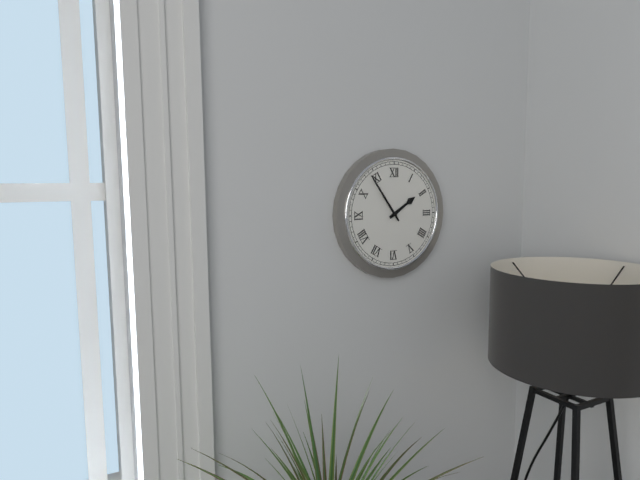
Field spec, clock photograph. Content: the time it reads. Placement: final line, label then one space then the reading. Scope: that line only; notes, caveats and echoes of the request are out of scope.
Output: 1:54
